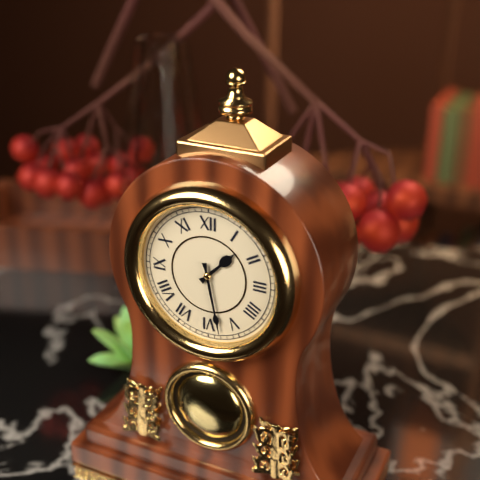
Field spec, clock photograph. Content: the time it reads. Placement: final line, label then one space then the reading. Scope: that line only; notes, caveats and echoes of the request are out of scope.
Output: 1:28
